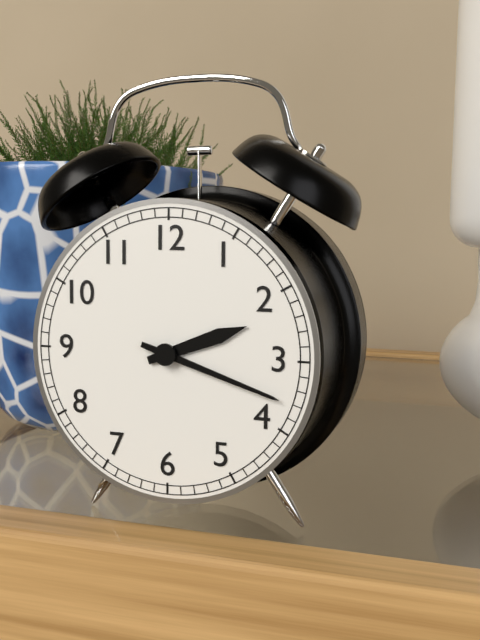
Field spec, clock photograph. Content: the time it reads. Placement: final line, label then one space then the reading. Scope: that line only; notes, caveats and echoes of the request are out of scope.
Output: 2:18
